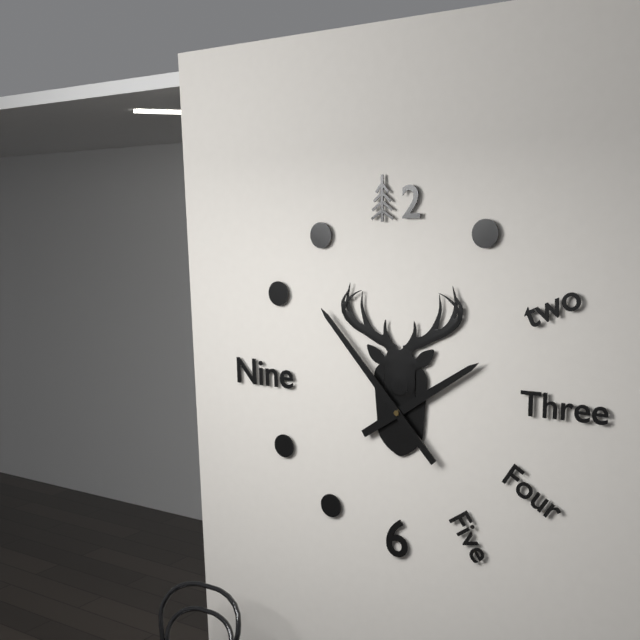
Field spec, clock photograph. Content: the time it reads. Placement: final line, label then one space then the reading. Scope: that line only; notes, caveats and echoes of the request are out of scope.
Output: 1:53
